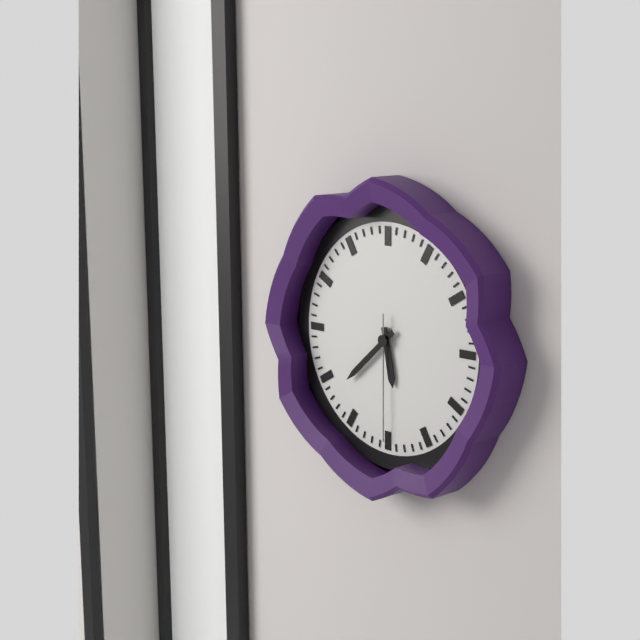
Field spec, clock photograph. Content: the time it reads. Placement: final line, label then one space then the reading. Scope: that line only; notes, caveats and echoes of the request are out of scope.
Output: 5:38:30
